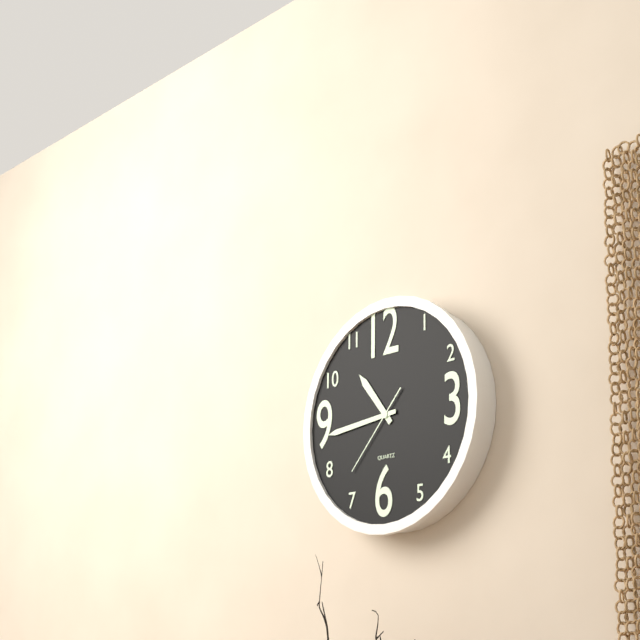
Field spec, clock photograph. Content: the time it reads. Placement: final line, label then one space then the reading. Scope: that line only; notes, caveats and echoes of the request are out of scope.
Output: 10:44:37
